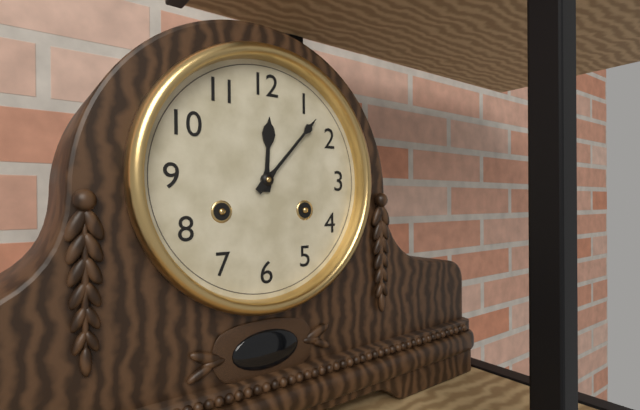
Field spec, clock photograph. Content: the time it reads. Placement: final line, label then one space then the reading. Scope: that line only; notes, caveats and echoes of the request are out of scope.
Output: 12:07
